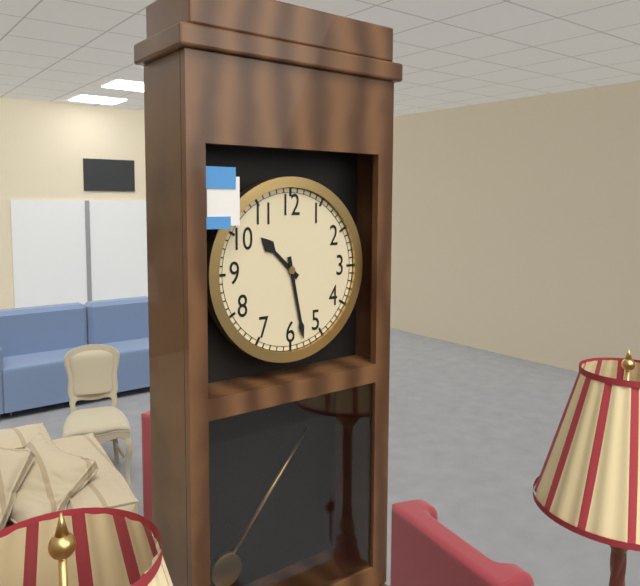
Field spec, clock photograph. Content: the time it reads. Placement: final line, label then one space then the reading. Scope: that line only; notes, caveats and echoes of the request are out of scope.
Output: 10:28
